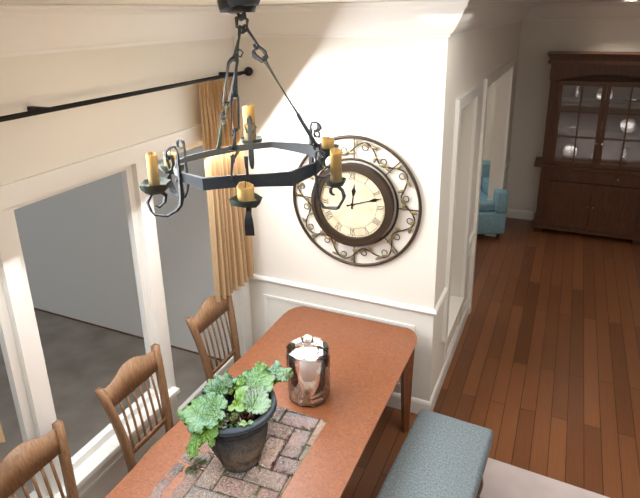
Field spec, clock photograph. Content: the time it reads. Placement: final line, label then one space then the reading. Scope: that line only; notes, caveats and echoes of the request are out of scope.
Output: 12:12
